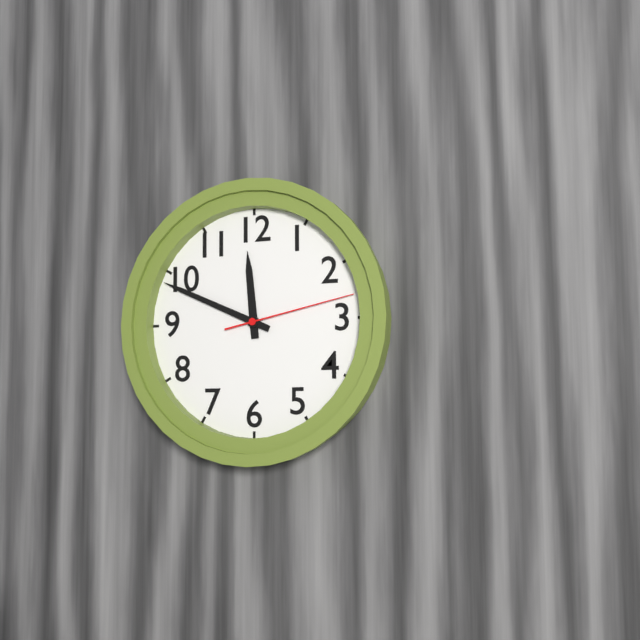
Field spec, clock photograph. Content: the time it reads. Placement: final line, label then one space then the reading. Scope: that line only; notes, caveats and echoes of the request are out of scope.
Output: 11:49:13
